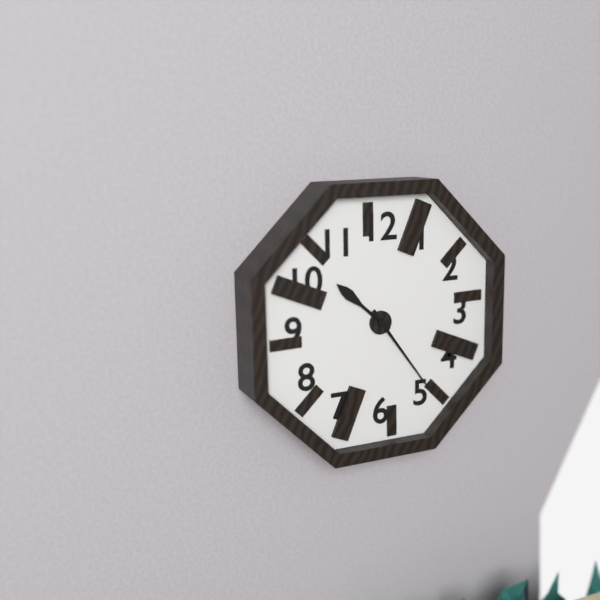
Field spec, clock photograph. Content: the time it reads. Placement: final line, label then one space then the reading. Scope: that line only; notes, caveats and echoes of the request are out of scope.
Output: 10:24
